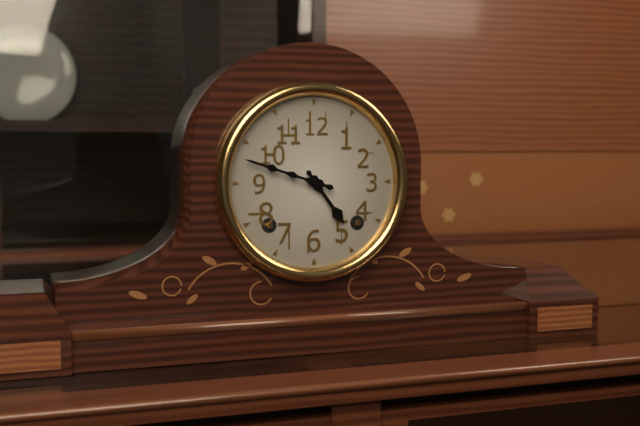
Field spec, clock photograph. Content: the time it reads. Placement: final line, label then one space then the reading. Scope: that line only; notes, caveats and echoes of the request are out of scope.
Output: 4:48
